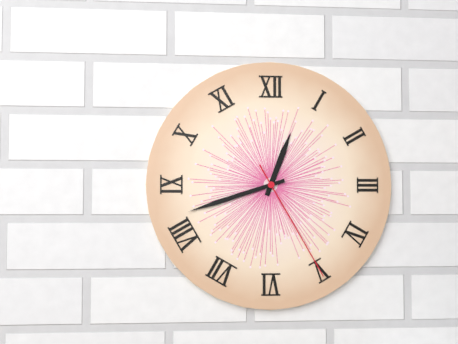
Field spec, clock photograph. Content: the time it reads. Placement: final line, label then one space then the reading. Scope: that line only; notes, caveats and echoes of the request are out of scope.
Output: 12:42:25
